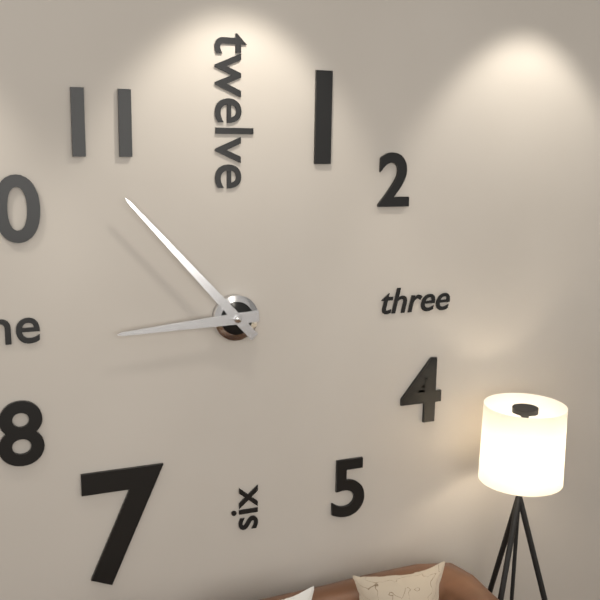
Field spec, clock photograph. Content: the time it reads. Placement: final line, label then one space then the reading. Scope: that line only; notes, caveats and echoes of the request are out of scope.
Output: 8:53
